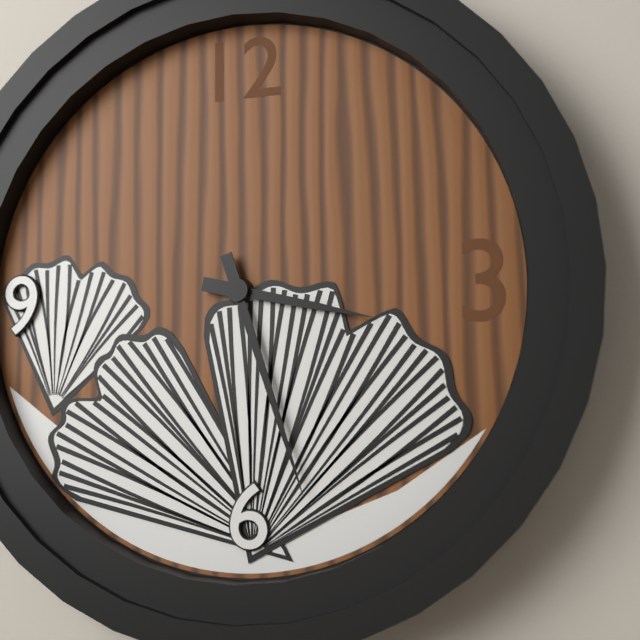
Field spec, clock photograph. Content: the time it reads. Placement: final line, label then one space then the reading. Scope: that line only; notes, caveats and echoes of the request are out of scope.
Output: 3:27
